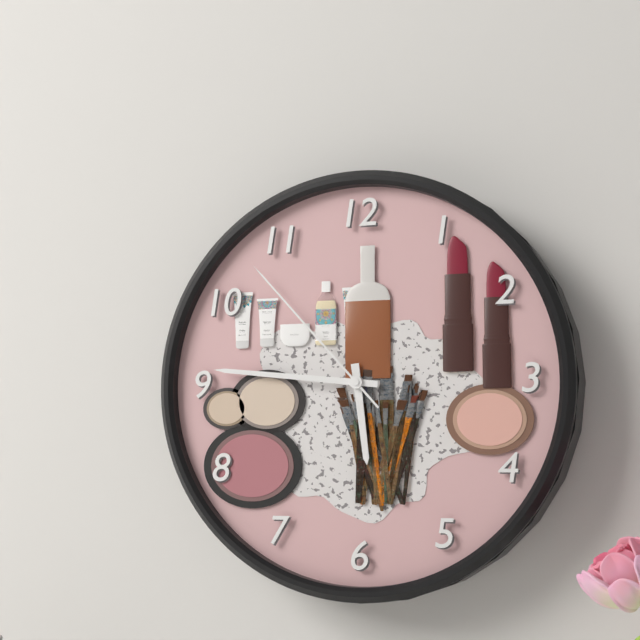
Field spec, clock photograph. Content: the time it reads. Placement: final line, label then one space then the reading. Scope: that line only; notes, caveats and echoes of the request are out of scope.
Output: 5:46:53
